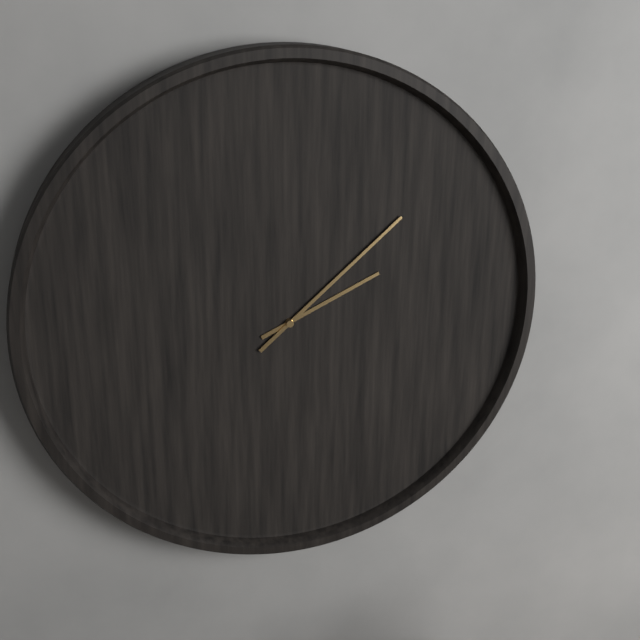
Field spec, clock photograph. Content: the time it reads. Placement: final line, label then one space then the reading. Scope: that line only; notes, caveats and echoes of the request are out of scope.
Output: 2:08
